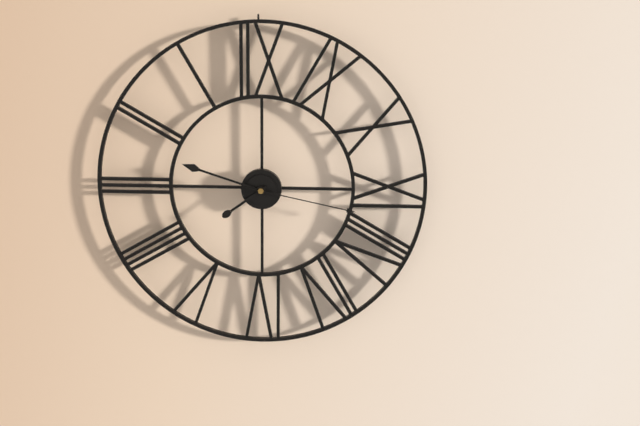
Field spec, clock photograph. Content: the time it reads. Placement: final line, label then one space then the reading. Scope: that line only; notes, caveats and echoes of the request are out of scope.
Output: 7:48:17
